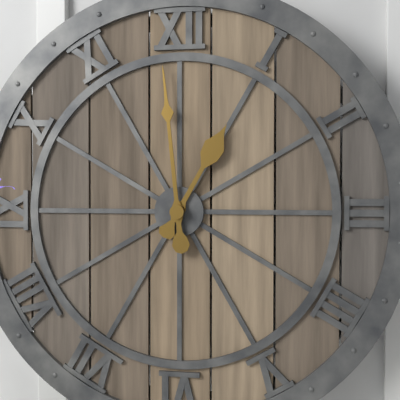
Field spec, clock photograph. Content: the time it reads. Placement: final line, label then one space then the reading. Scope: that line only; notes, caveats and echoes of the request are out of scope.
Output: 12:59
